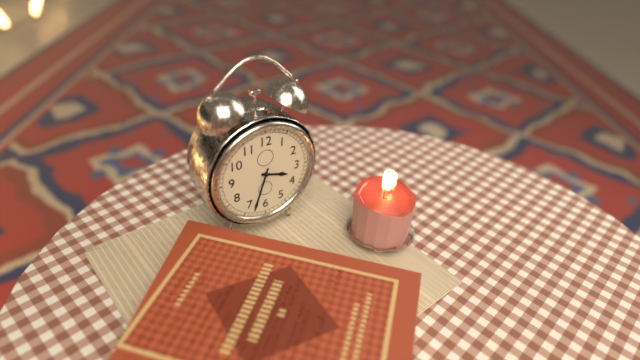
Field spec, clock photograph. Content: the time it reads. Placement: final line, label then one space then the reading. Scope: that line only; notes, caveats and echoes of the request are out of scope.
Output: 3:33
